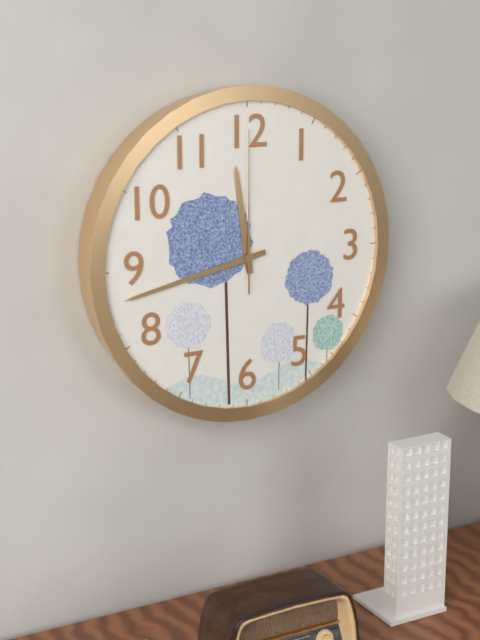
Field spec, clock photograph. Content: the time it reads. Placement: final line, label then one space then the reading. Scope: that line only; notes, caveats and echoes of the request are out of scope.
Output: 11:43:00
